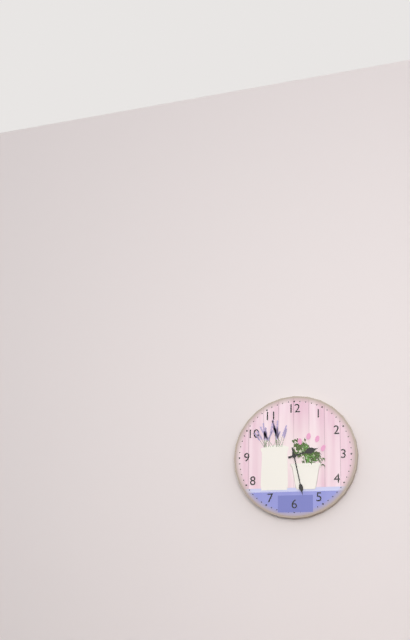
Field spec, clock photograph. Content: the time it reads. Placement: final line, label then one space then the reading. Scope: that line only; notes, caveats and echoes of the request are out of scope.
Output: 2:28
